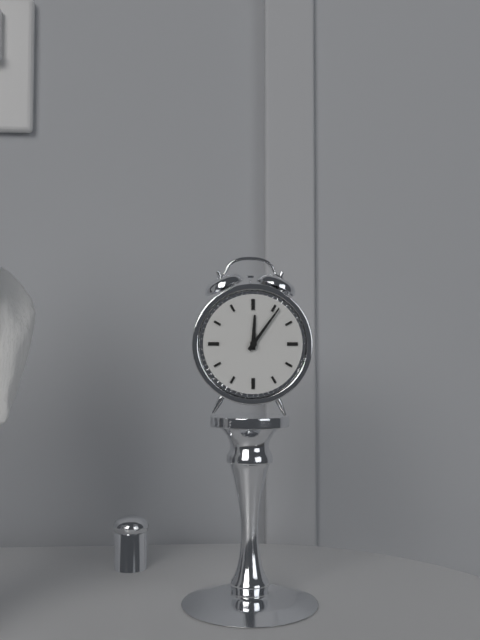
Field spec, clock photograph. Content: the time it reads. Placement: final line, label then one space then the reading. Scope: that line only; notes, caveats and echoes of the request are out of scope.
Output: 12:06
